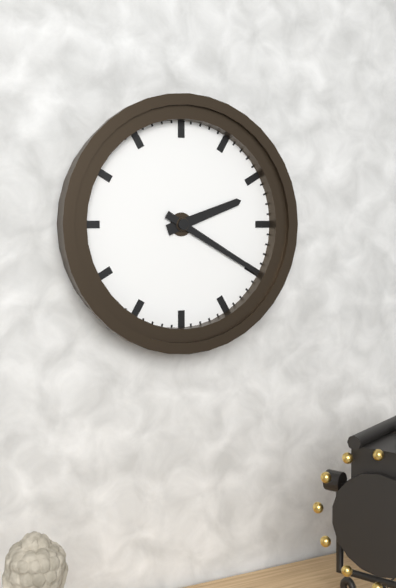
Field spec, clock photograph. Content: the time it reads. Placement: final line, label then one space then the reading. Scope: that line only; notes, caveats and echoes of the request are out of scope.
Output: 2:20
